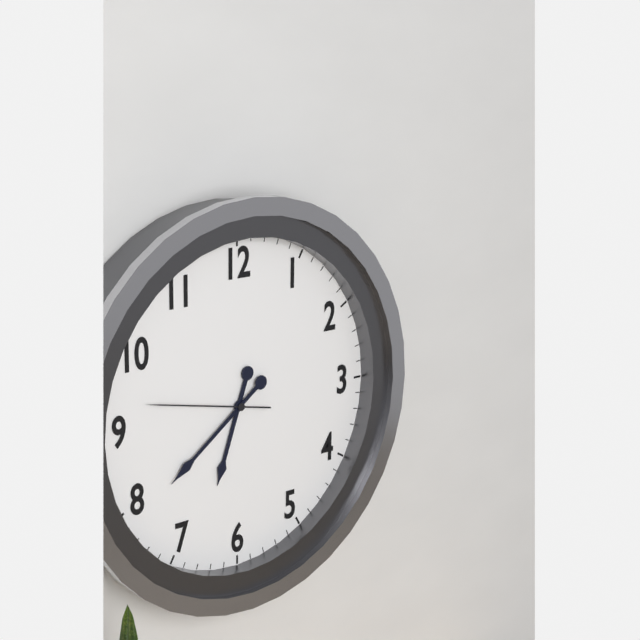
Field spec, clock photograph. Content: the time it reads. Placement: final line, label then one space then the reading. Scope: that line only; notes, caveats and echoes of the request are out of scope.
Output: 6:39:47
